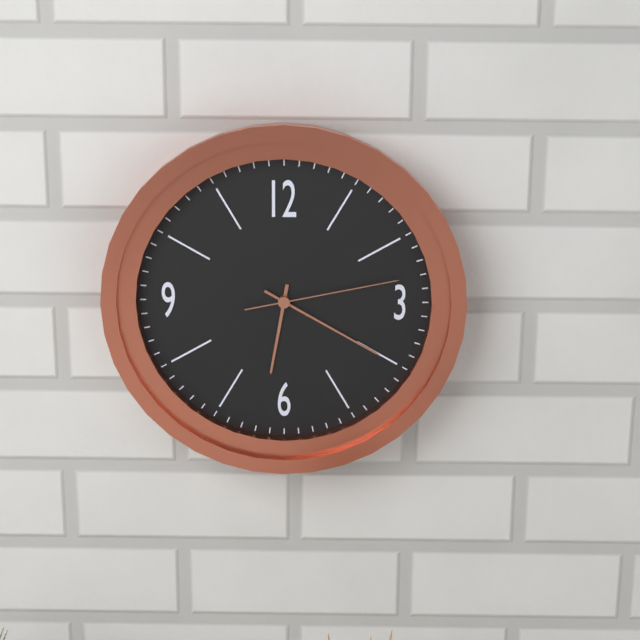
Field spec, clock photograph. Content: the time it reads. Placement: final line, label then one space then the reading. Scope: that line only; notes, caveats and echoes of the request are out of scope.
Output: 6:20:13
